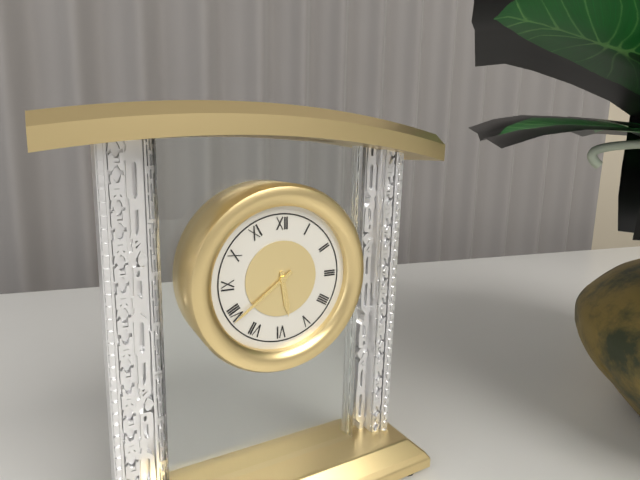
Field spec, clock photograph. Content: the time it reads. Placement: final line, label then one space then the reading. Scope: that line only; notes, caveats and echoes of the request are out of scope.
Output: 5:39
